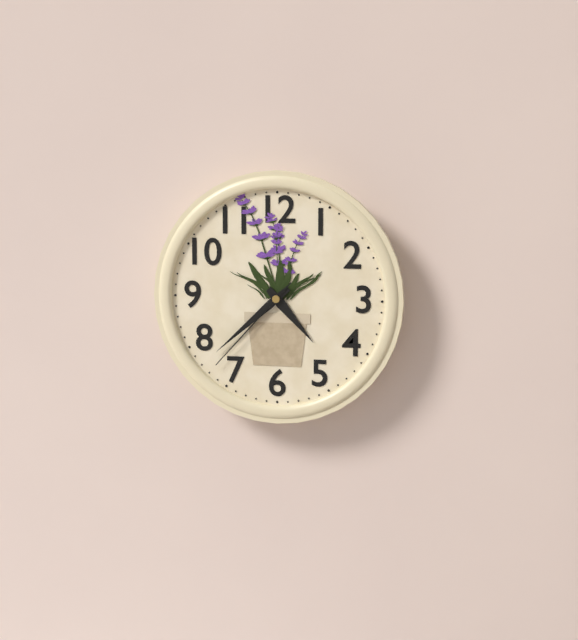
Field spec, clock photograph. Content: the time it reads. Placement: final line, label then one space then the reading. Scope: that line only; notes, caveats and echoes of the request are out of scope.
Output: 4:38:37
